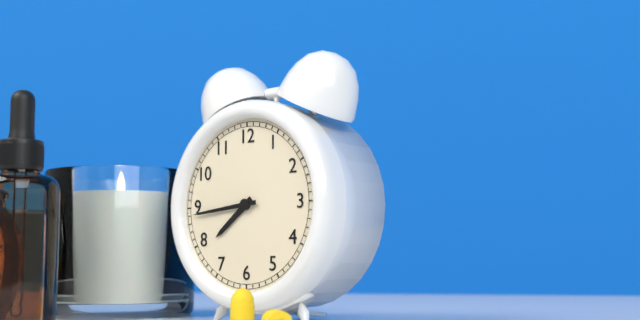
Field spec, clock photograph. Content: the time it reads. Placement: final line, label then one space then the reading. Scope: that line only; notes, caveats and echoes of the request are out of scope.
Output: 7:44
